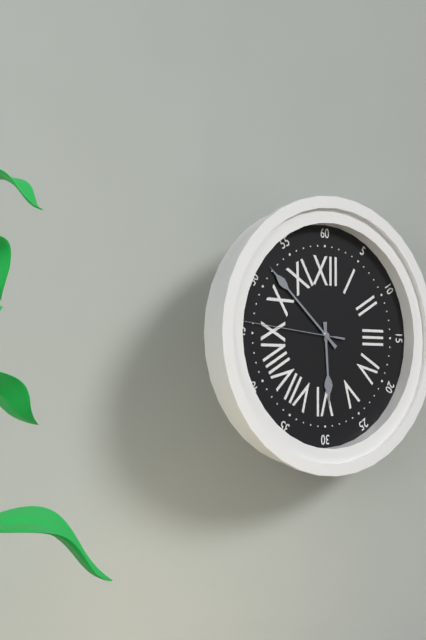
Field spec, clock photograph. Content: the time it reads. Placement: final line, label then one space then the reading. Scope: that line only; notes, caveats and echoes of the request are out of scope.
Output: 5:52:46
